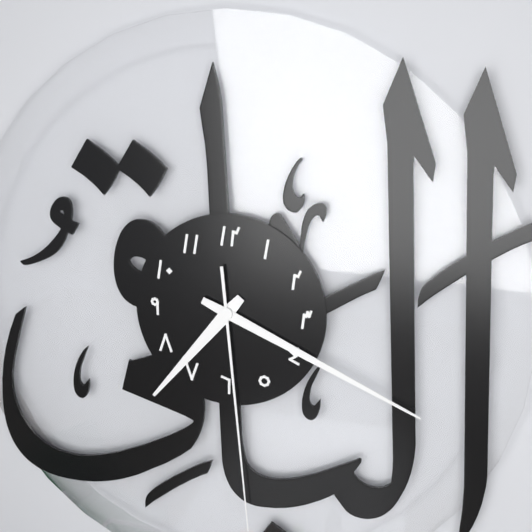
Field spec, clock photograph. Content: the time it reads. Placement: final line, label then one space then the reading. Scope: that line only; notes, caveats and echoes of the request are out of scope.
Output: 7:19:29
